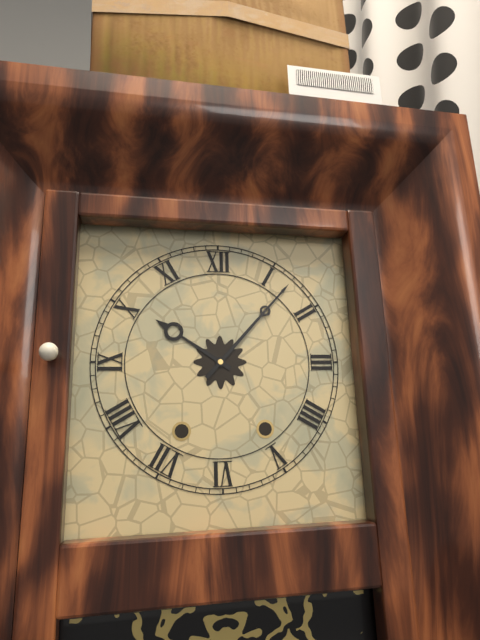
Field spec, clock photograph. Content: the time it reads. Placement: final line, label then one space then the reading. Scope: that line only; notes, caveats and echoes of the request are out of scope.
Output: 10:07
